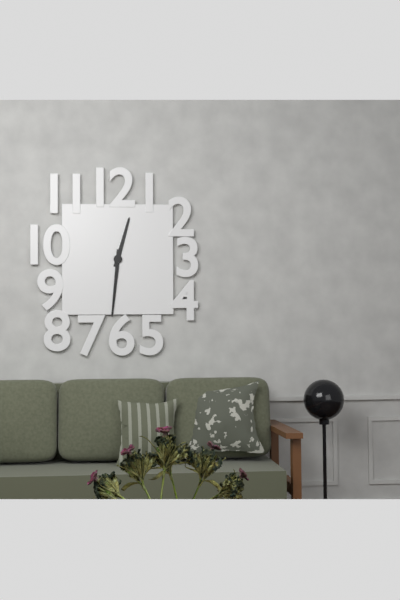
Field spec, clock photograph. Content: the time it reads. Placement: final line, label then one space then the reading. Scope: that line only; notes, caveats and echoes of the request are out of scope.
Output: 12:31
